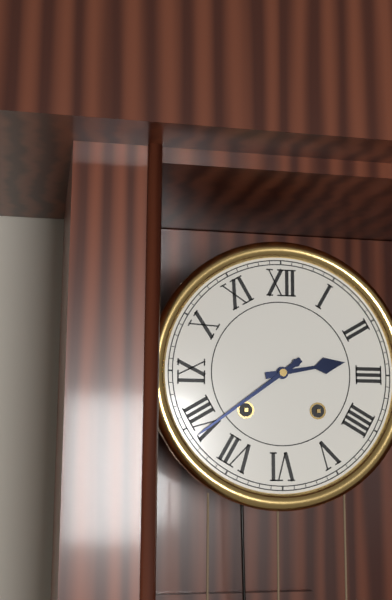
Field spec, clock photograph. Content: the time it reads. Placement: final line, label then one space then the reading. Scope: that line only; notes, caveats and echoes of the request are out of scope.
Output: 2:39
